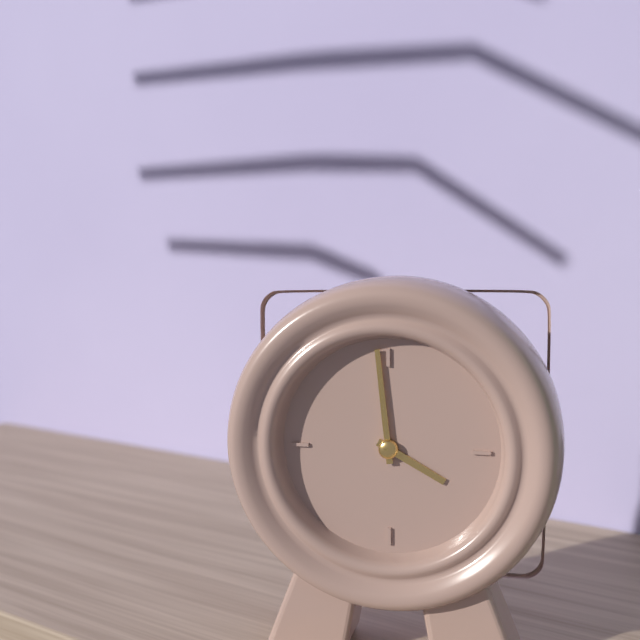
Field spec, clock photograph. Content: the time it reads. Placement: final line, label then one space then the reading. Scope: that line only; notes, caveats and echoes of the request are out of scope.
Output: 3:59
